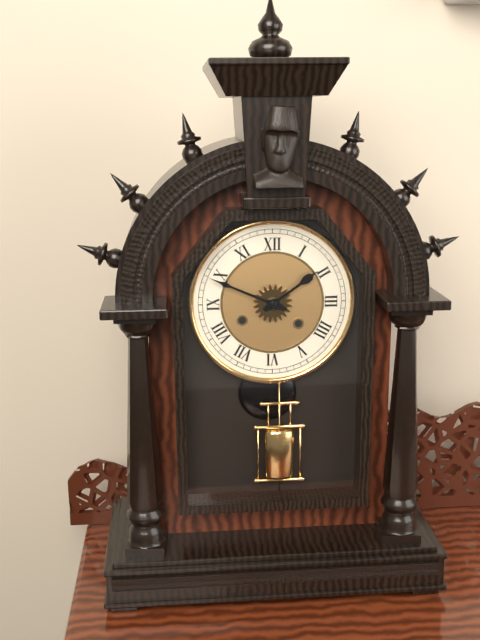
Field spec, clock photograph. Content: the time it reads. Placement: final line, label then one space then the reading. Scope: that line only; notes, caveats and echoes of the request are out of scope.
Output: 1:49
